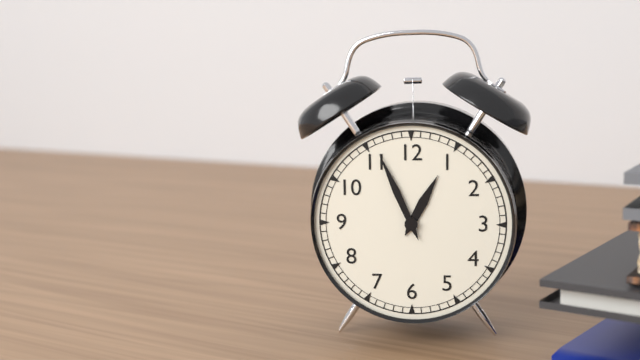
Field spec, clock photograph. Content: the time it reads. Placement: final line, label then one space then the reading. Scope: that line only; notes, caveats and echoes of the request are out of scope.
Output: 12:56
